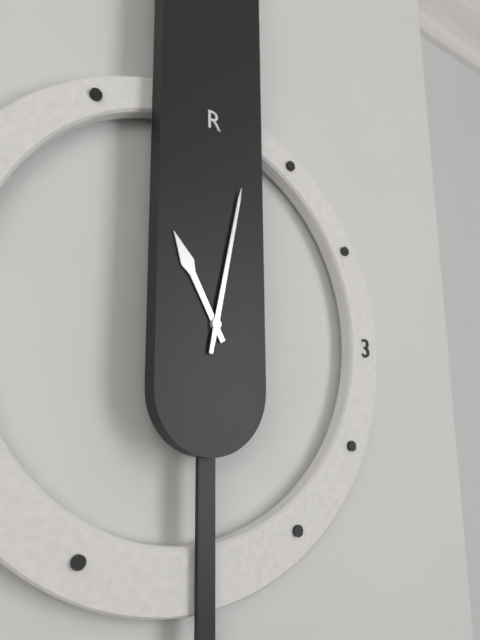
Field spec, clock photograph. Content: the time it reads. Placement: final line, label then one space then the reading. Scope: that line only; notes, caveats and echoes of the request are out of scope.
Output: 11:02
